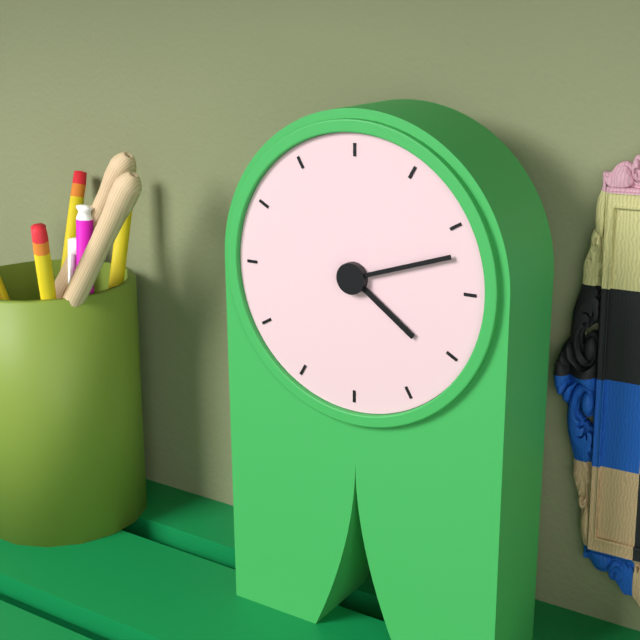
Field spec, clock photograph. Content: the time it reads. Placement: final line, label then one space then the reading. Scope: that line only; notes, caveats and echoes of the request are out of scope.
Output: 4:12
